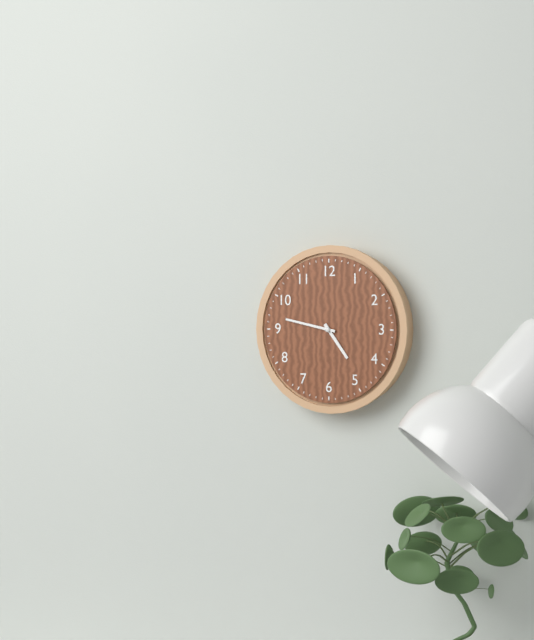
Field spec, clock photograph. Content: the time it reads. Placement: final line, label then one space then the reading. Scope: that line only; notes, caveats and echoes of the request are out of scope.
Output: 4:47
